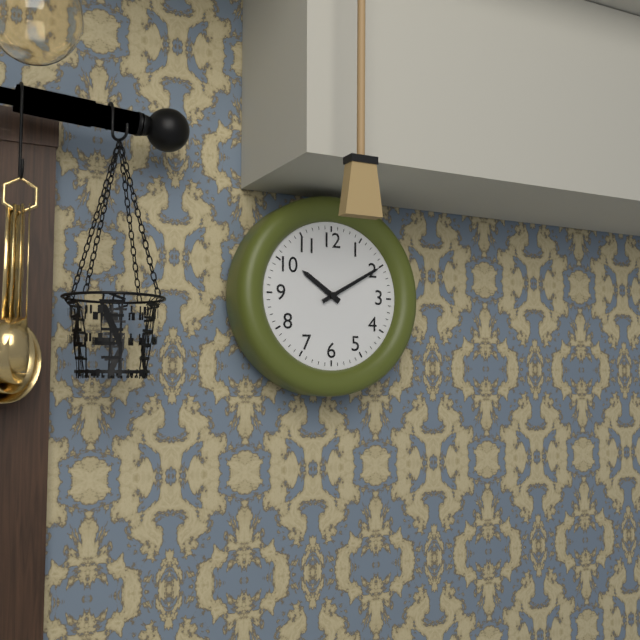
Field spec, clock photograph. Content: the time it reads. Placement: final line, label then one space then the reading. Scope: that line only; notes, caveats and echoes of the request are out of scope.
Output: 10:10
